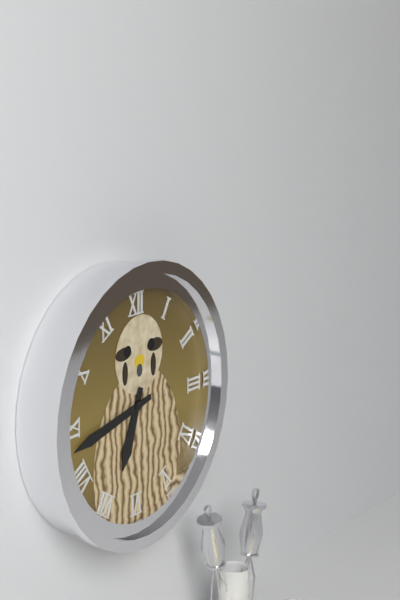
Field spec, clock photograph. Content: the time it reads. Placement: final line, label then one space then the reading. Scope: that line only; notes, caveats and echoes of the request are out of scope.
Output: 6:43
